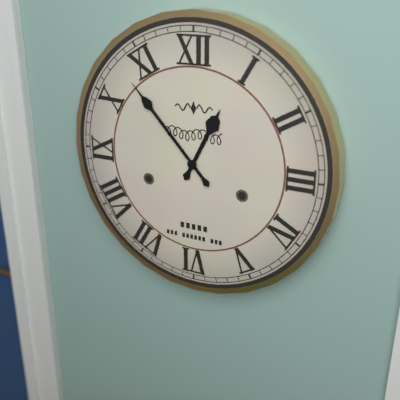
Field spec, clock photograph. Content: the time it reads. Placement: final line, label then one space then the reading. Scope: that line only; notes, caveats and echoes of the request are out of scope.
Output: 12:53
